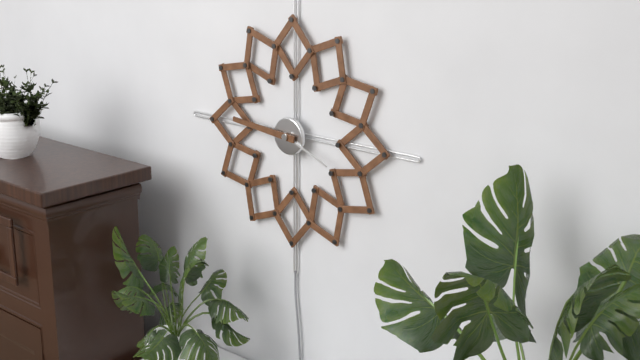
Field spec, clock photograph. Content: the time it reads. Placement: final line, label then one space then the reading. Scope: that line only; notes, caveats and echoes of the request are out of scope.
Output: 3:46
